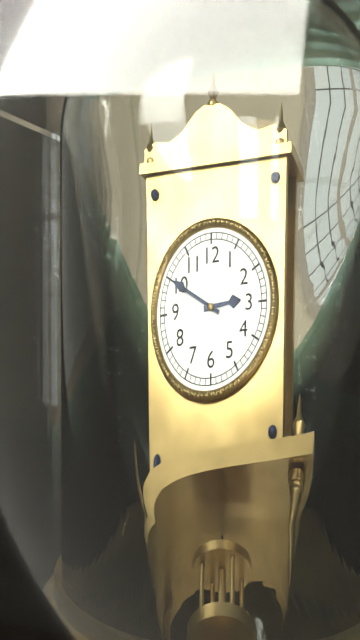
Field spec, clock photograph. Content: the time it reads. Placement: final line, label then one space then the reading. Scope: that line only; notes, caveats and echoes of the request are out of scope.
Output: 2:50
